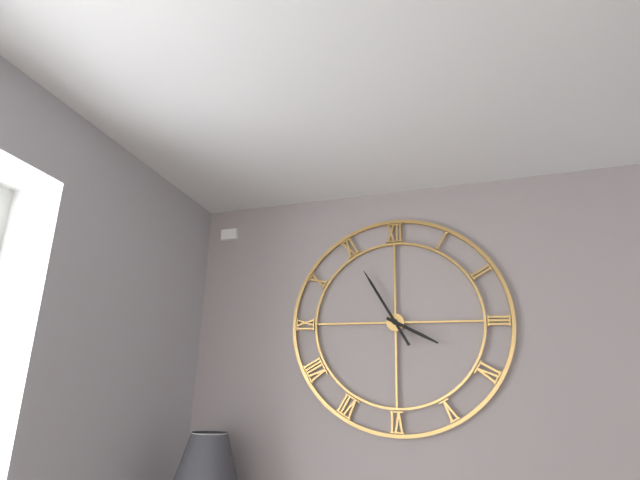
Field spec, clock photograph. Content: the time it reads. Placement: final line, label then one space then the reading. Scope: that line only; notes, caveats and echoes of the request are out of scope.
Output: 3:55
